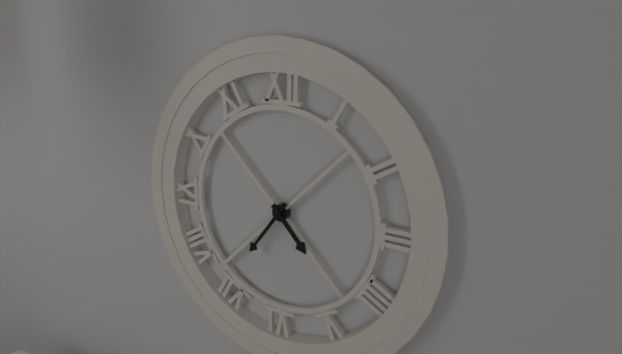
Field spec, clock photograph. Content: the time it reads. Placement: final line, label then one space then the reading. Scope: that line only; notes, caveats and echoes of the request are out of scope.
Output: 4:36
